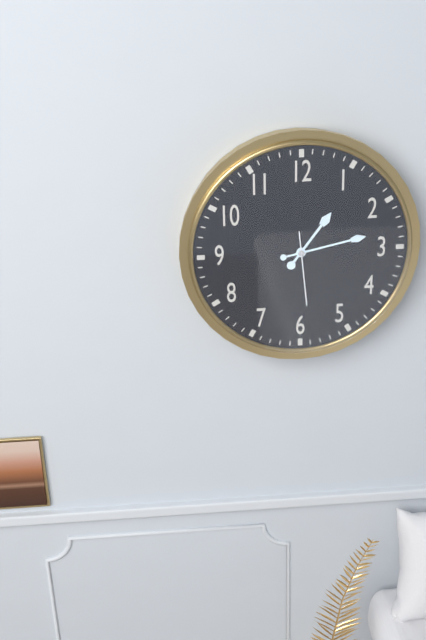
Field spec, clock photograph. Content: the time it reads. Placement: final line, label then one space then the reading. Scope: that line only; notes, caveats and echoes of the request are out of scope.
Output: 1:13:29
